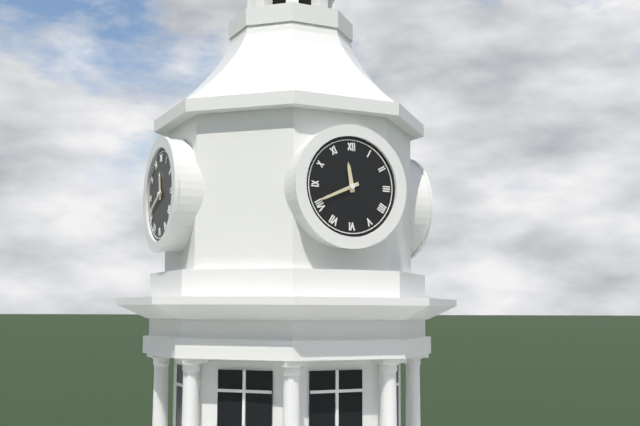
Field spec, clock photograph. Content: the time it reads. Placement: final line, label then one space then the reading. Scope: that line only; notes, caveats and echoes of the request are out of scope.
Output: 11:41
